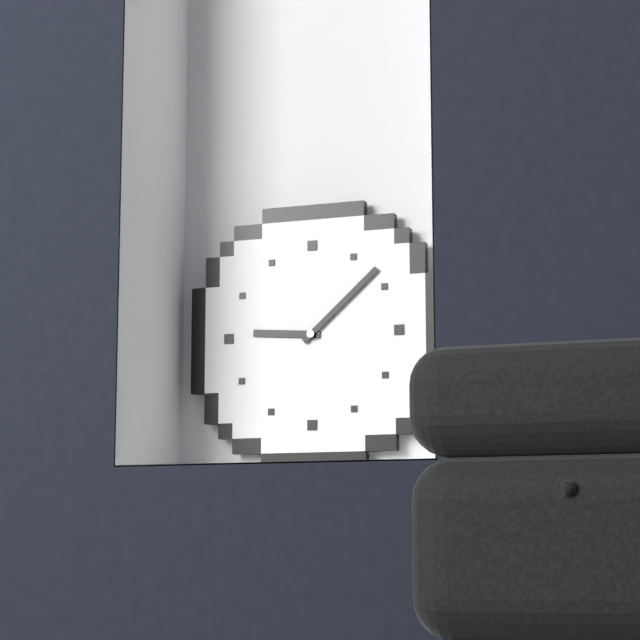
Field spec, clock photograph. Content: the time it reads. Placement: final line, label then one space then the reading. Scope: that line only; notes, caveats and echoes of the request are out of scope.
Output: 9:08
